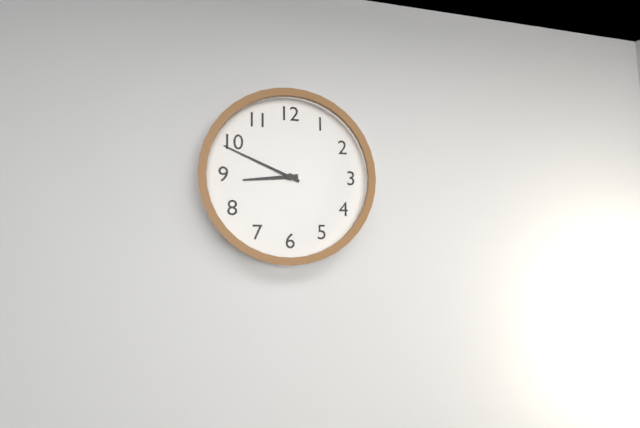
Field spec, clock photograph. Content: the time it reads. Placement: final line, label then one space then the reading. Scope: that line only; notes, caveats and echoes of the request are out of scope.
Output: 8:49
